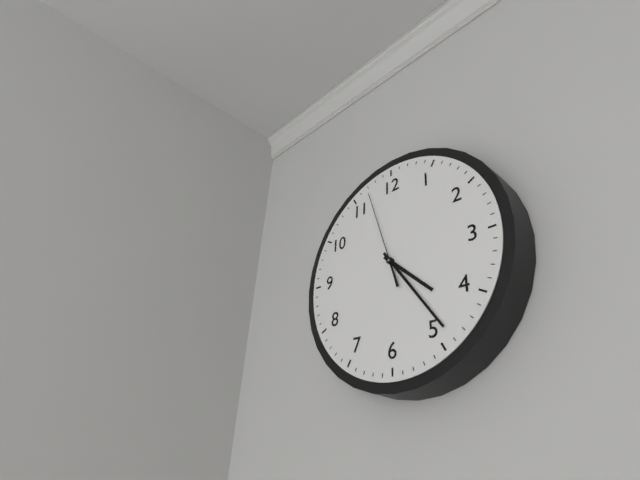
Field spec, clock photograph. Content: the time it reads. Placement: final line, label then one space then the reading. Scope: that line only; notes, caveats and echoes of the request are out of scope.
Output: 4:24:57
